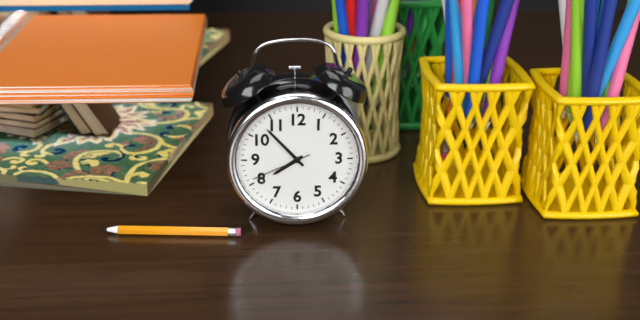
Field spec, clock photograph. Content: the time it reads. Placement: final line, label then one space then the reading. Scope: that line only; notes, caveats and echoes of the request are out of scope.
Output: 7:53:41
